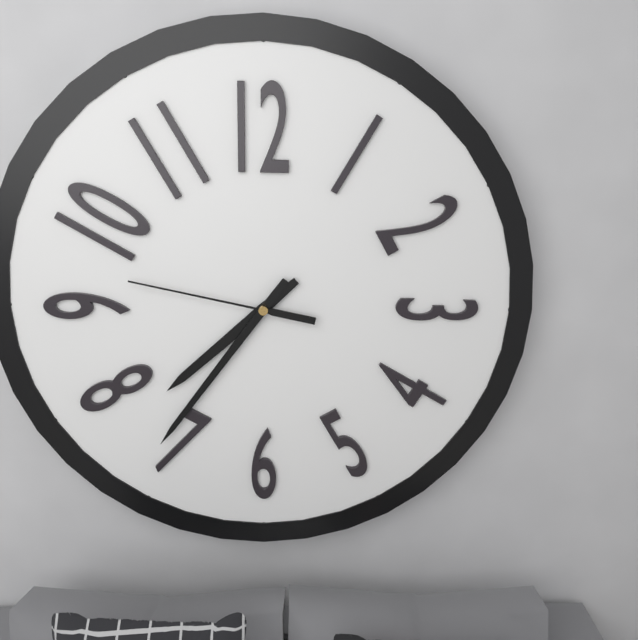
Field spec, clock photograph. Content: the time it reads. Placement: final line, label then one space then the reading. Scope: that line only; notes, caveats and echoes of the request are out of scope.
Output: 7:36:47
